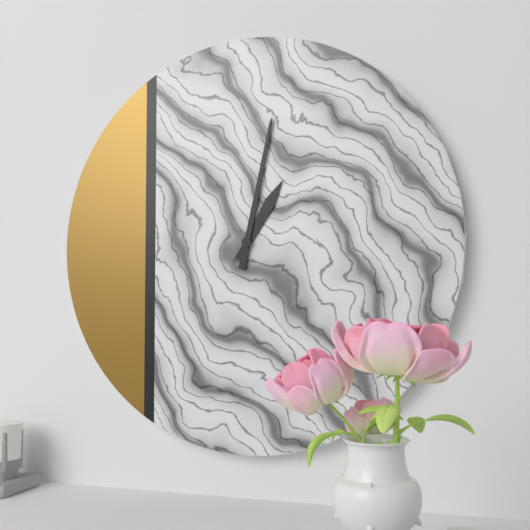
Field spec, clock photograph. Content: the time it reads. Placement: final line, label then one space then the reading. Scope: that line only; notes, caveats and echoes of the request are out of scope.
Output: 1:02
